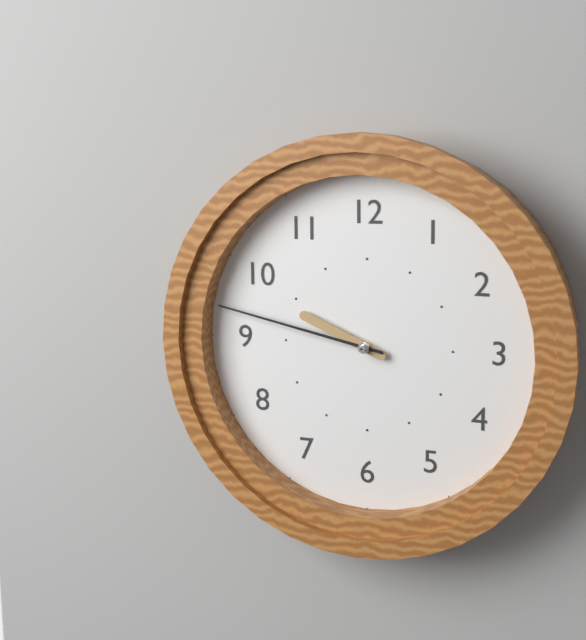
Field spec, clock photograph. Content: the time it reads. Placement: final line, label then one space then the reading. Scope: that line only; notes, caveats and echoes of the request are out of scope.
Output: 9:47
